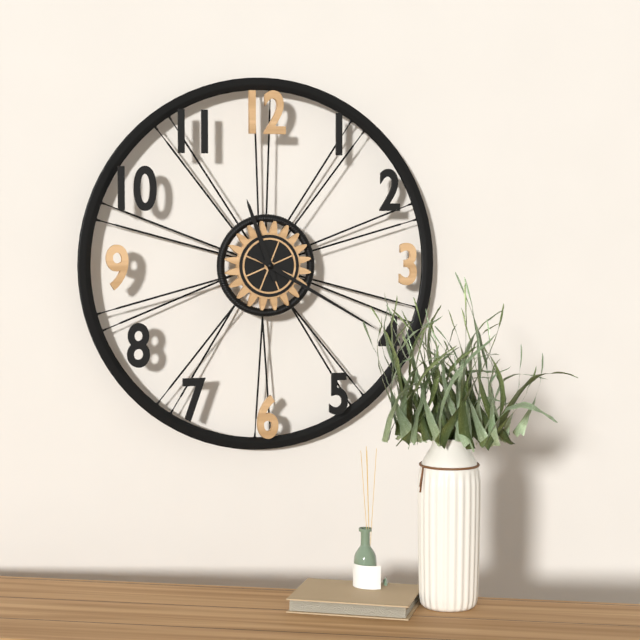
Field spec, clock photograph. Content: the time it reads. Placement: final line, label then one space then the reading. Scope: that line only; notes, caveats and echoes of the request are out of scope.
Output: 11:20
